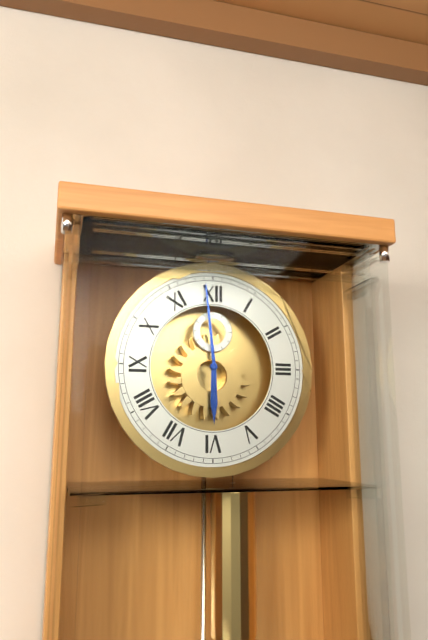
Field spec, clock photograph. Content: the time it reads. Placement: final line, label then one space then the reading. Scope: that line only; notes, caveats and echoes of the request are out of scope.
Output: 5:59
